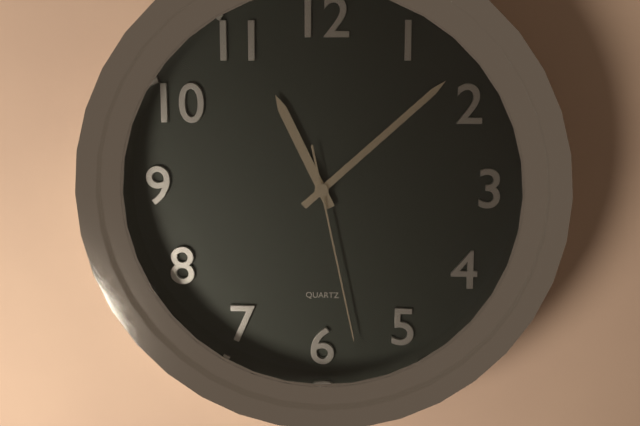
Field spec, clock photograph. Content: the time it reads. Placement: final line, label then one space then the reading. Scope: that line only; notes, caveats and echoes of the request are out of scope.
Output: 11:08:28
